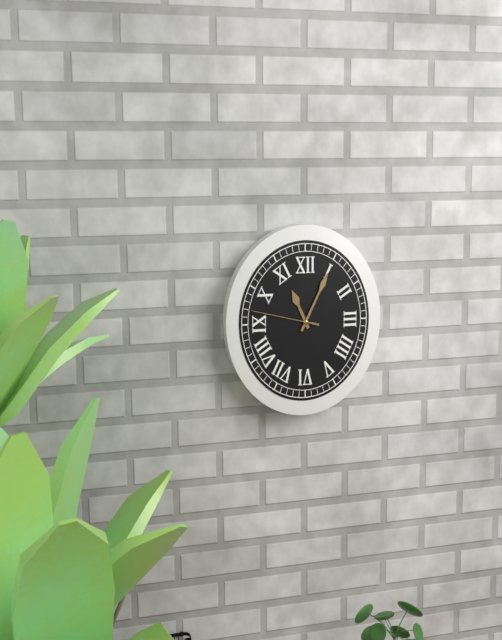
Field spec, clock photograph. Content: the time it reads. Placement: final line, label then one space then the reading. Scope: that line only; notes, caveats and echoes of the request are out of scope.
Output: 11:05:47
